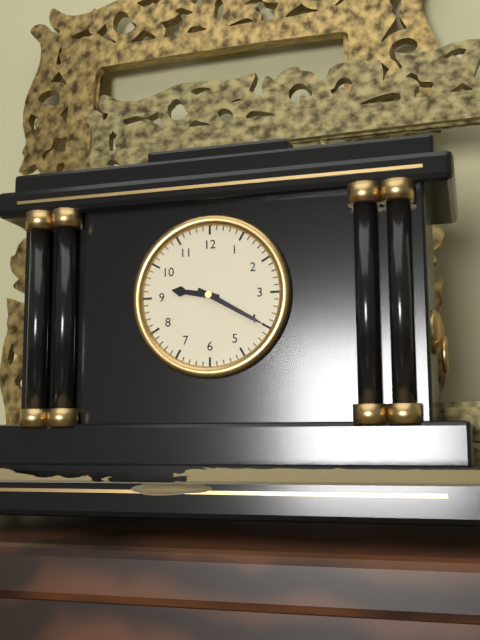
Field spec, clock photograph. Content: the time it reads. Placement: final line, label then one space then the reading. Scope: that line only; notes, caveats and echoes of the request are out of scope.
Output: 9:20
